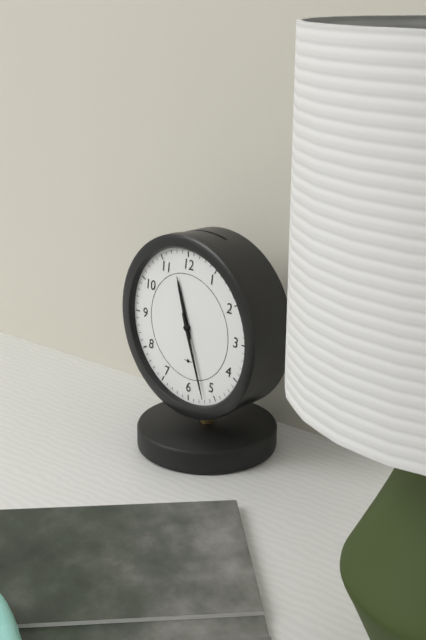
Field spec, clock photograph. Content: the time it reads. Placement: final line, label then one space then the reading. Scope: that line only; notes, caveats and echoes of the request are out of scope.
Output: 11:27
